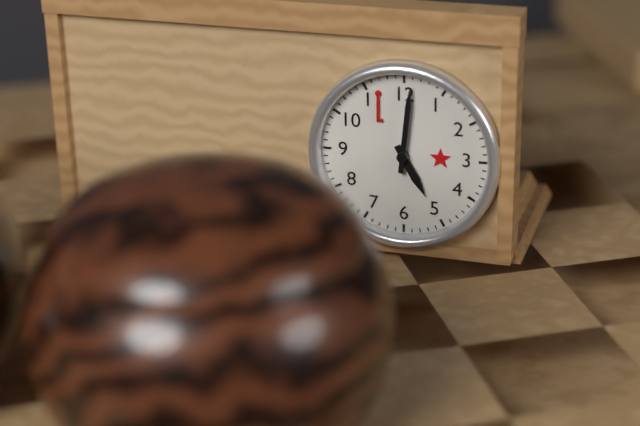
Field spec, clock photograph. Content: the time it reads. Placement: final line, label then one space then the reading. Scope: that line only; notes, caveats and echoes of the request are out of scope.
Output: 5:01
